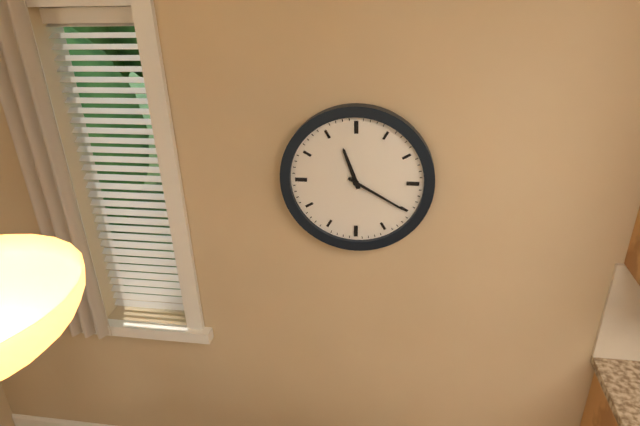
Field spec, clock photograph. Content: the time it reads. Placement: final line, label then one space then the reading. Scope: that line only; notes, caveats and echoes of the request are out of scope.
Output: 11:20
